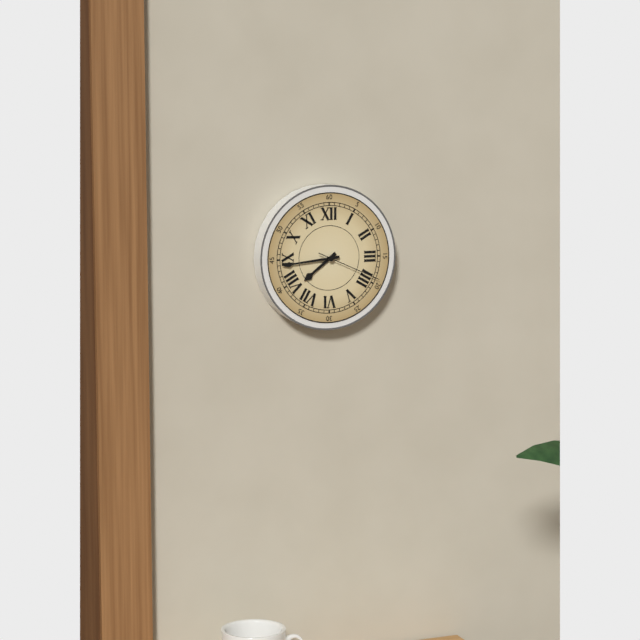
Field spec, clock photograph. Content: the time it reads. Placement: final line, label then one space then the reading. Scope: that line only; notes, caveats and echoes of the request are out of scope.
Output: 7:44:19
